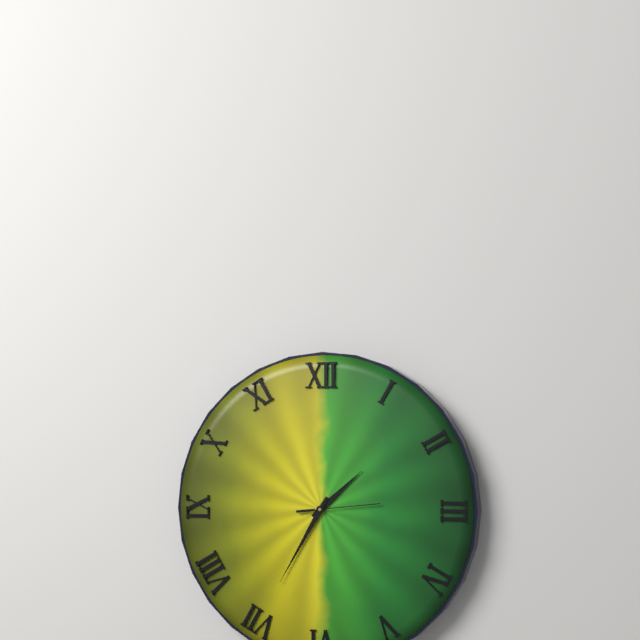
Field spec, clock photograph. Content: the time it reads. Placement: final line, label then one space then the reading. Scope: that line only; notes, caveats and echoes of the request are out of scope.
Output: 1:35:14
